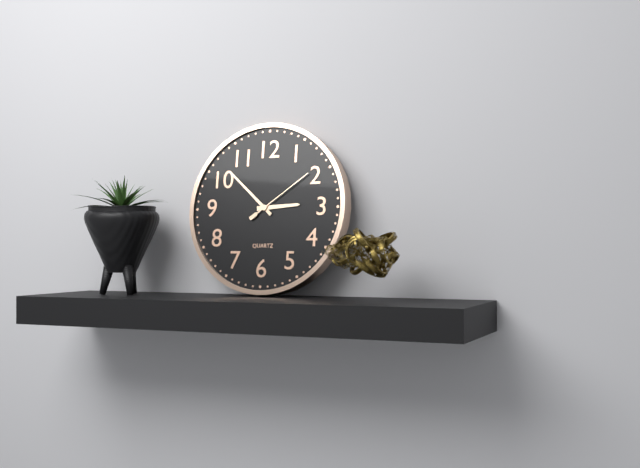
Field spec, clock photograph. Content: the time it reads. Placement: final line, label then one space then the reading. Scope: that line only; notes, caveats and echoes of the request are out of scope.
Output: 2:52:09
